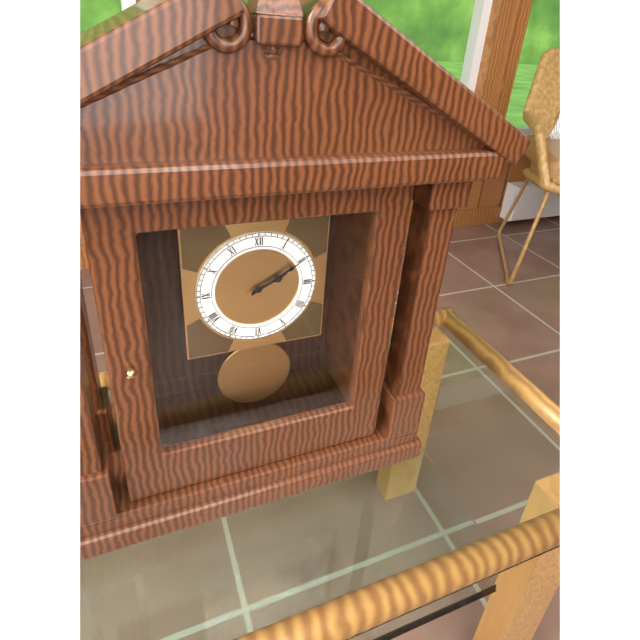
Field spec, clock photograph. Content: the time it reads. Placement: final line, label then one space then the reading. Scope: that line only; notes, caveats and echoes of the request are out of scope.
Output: 2:10
